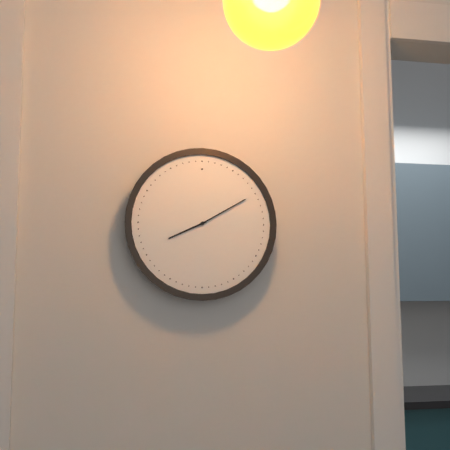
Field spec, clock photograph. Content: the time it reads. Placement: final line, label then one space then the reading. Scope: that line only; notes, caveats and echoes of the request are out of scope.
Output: 8:10
